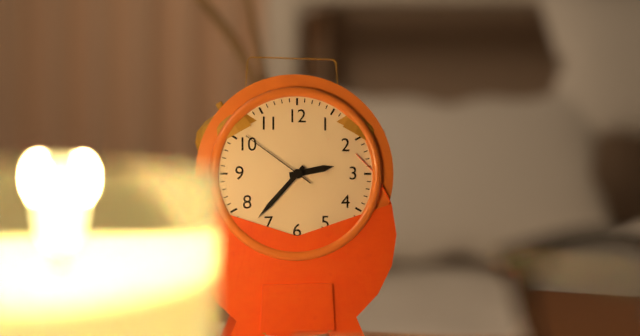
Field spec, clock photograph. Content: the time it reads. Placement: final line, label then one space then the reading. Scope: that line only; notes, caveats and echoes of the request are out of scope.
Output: 2:37:51
